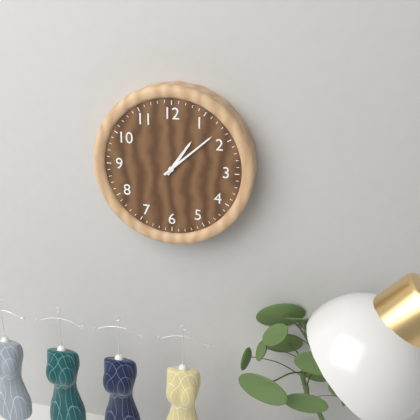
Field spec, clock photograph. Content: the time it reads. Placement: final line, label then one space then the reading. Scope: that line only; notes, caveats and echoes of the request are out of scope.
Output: 1:08
